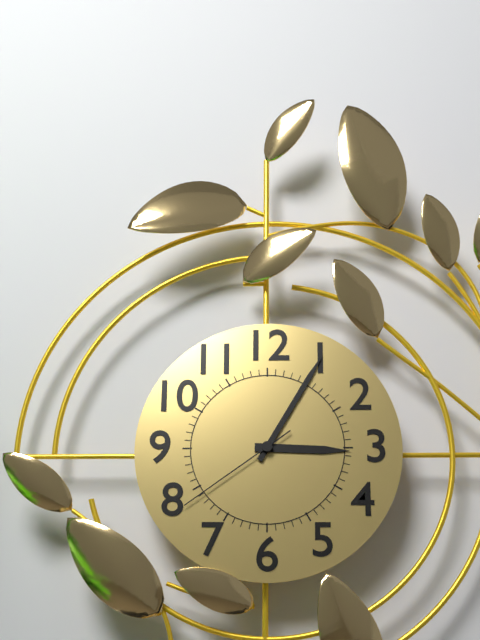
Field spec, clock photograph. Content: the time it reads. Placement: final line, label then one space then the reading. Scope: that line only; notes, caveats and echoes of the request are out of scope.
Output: 3:05:39
